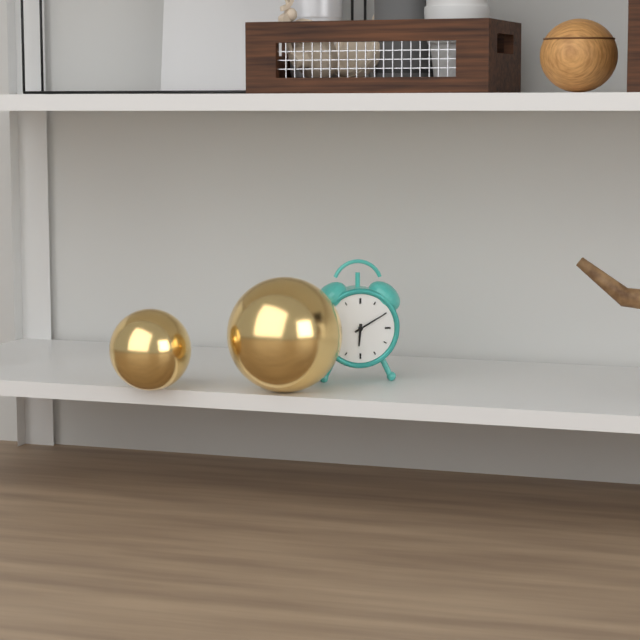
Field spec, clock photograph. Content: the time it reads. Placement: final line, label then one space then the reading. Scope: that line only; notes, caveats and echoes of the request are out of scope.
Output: 6:10
